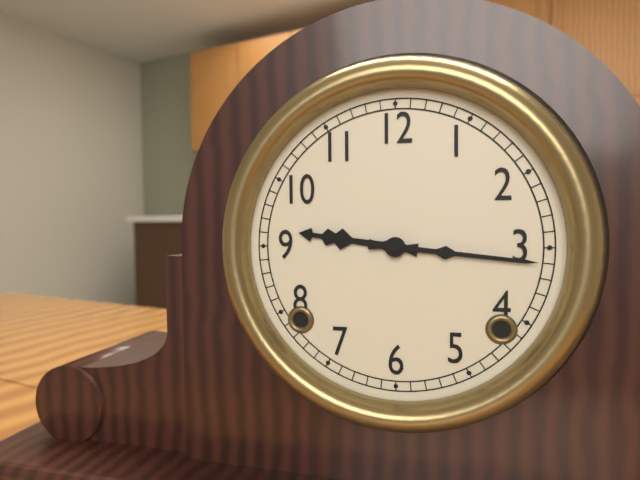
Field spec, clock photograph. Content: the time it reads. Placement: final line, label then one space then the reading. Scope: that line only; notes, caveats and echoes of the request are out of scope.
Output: 9:16
